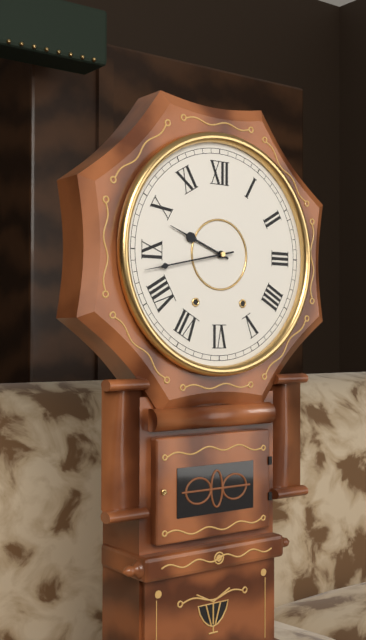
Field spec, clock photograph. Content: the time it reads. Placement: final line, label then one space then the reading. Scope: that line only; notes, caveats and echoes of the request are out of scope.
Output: 9:43
